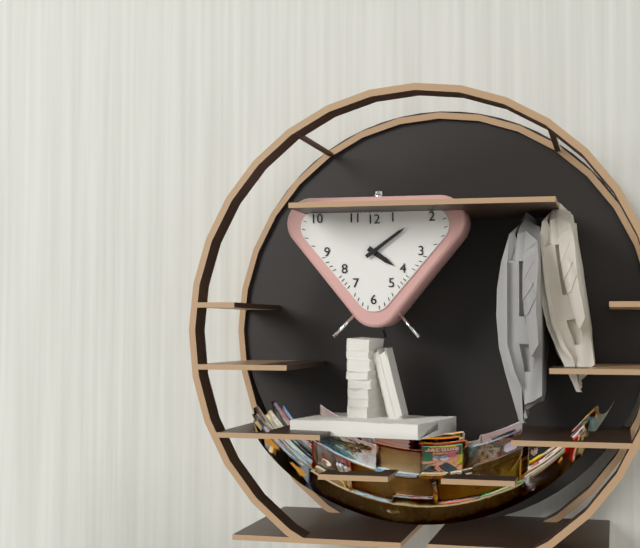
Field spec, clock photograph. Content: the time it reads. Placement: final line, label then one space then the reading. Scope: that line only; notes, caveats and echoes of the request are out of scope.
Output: 4:09
